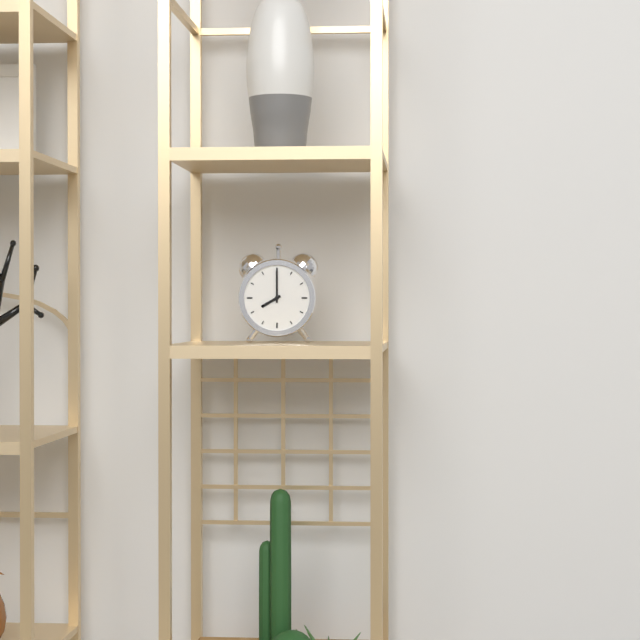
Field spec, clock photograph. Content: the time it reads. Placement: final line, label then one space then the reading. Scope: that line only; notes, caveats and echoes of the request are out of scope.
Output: 8:00
